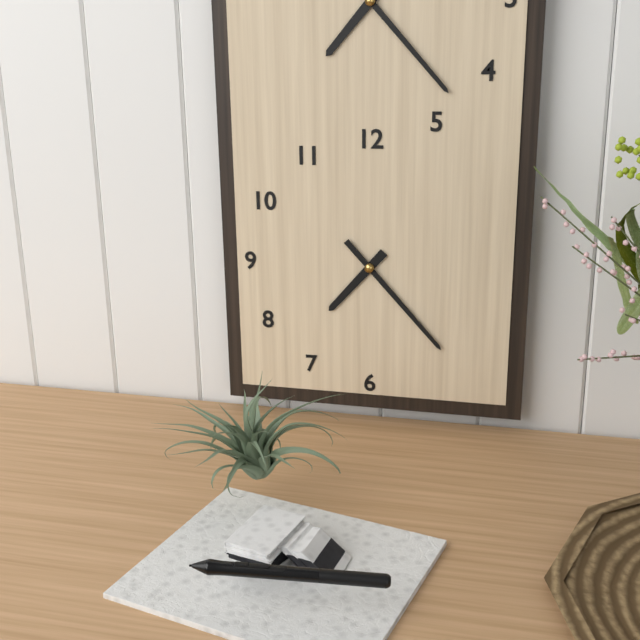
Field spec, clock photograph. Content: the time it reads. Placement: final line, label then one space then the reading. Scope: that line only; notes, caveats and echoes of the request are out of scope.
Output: 7:23
